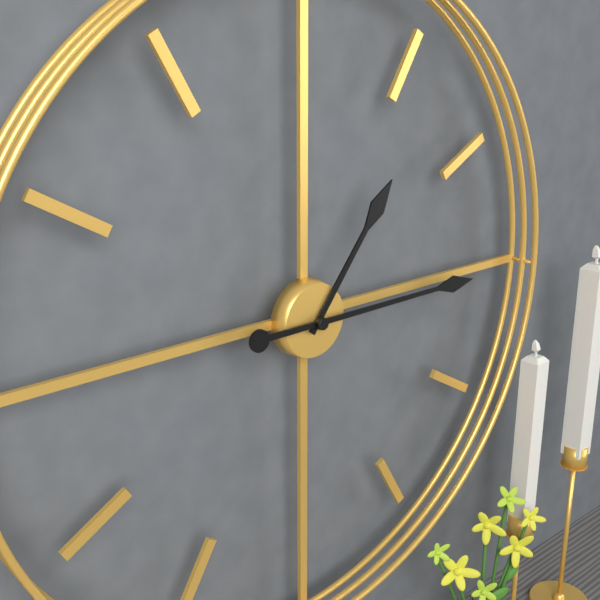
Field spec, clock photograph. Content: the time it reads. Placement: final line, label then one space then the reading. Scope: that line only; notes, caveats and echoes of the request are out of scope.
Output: 1:15
